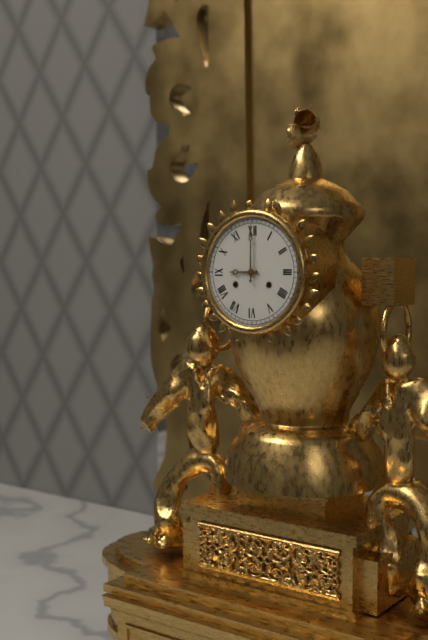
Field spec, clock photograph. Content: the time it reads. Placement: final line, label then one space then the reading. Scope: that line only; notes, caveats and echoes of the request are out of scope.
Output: 9:00
